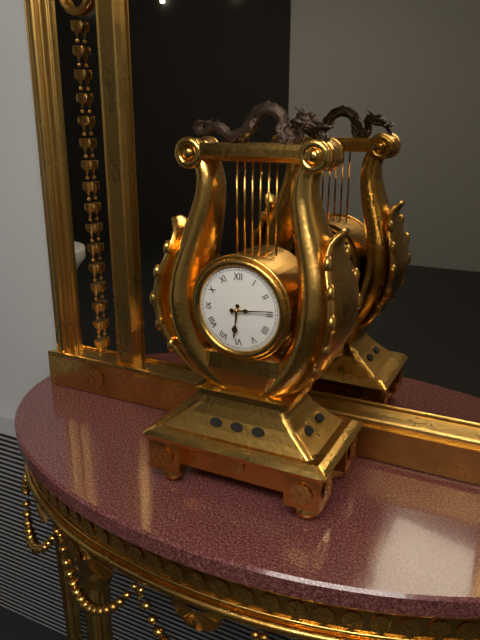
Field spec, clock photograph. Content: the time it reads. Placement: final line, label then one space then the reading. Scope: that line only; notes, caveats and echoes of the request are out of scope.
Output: 6:14
